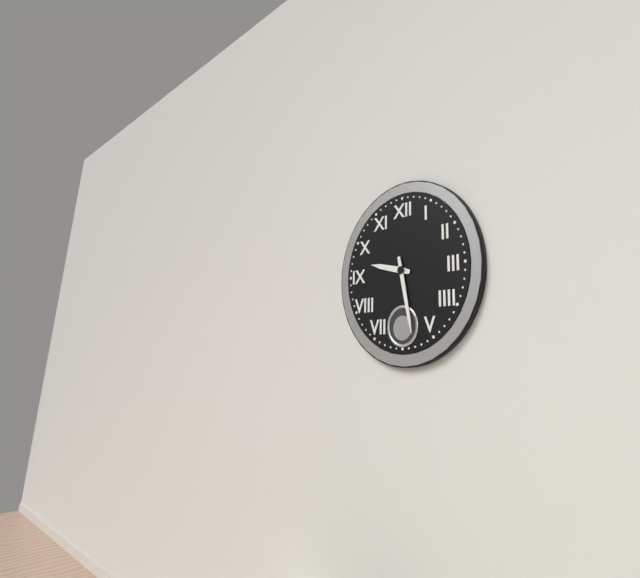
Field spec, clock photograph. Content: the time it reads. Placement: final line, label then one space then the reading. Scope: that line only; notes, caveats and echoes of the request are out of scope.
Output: 9:28
